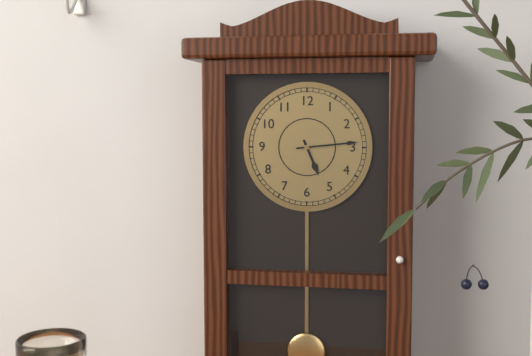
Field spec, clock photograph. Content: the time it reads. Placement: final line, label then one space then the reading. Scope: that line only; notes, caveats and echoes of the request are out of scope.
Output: 5:14
